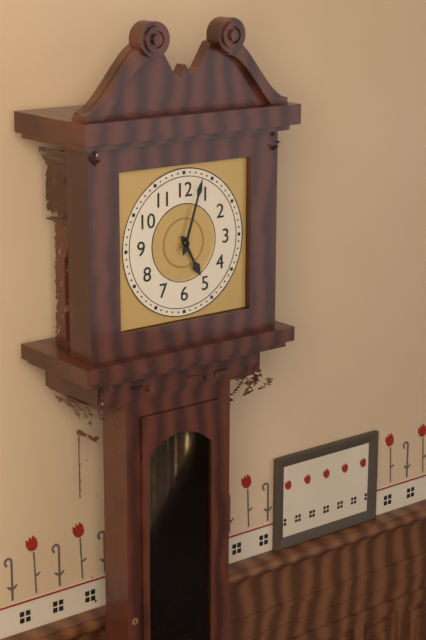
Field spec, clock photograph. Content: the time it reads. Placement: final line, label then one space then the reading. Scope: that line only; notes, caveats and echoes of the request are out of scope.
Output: 5:03
